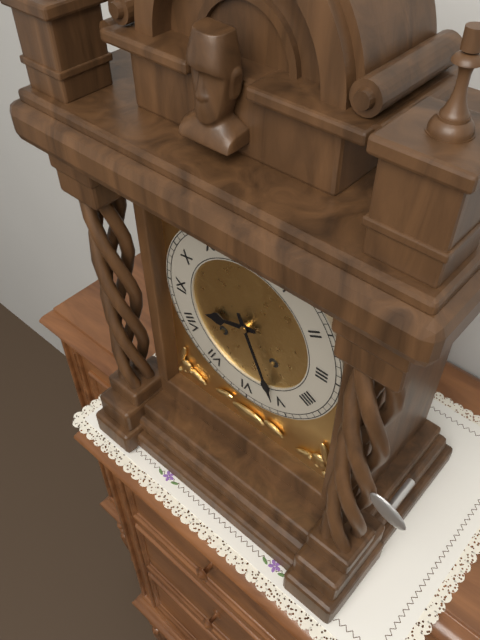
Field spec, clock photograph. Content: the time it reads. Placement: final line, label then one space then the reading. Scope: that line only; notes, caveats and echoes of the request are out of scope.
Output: 8:26
